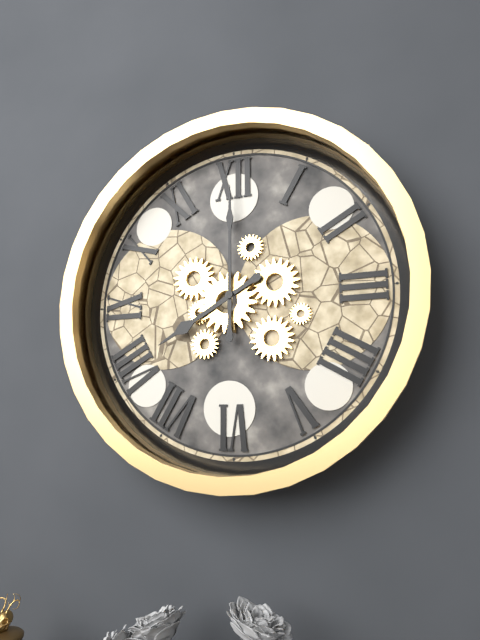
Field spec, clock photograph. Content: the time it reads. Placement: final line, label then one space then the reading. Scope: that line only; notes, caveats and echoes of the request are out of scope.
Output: 8:00
